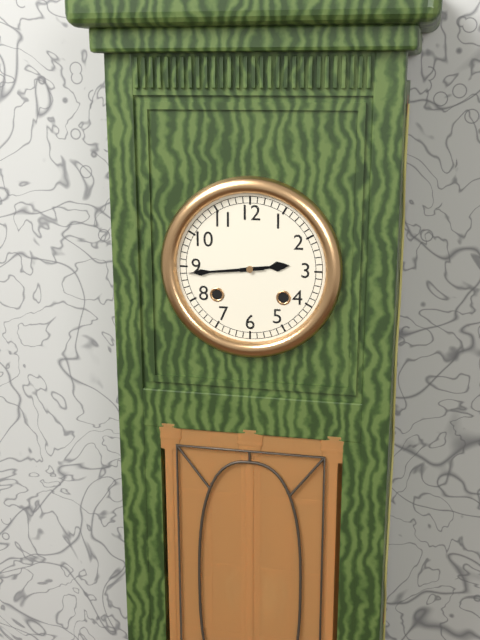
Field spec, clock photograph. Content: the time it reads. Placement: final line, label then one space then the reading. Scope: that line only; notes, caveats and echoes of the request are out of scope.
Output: 2:44
